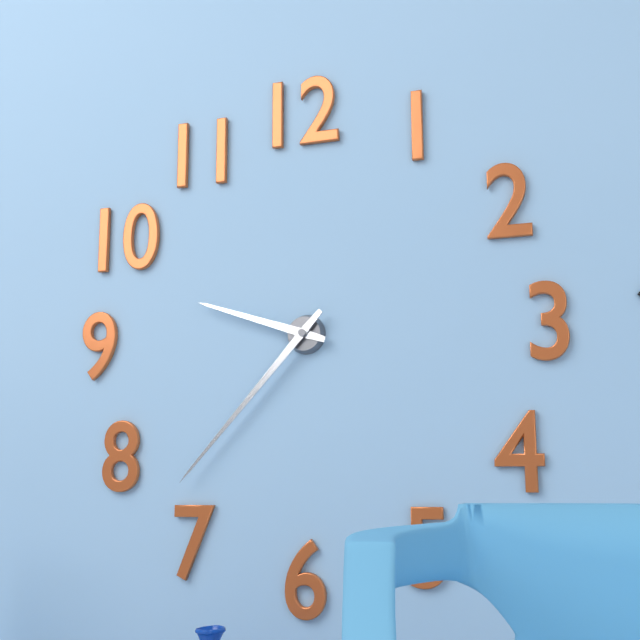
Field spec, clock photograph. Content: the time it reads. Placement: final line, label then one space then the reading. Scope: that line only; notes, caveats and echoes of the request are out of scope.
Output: 9:37
